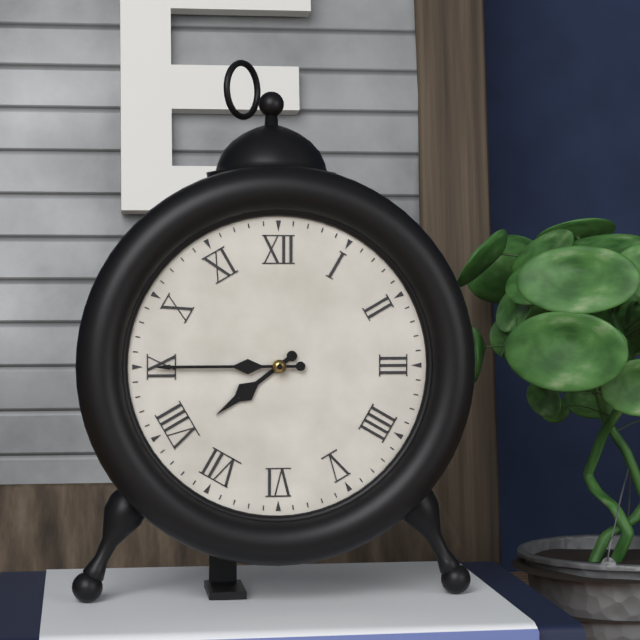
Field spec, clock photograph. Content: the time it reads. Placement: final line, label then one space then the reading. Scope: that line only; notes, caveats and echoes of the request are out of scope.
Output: 7:45
